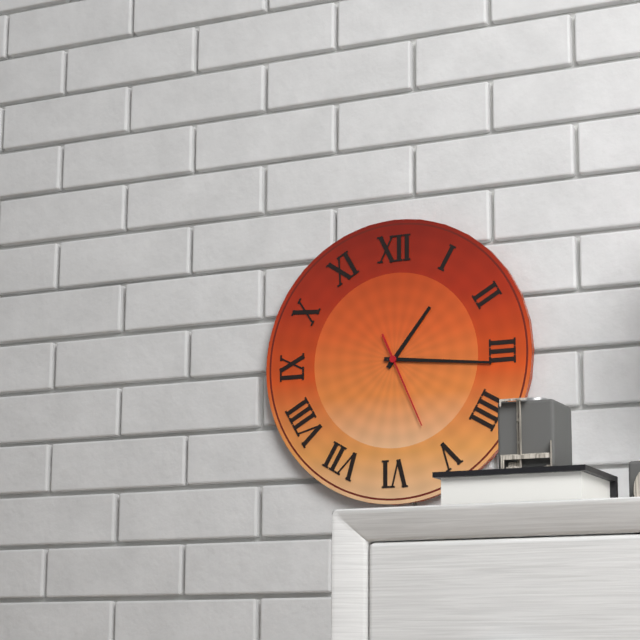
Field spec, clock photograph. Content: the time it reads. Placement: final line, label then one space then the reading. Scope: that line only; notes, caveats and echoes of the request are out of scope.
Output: 1:16:26
